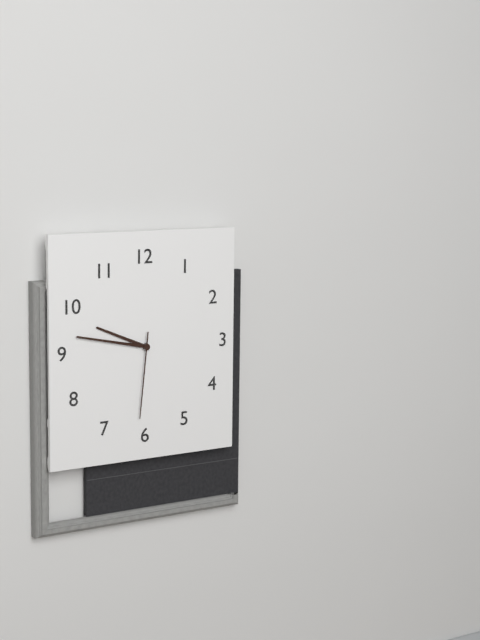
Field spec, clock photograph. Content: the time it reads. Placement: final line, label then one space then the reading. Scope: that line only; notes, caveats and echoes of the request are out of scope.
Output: 9:47:31
